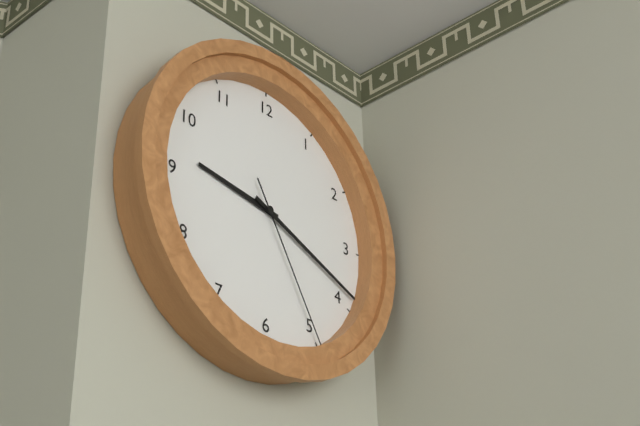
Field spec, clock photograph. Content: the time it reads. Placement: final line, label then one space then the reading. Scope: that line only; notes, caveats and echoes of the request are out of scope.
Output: 9:19:25
